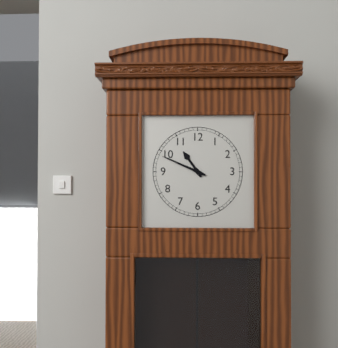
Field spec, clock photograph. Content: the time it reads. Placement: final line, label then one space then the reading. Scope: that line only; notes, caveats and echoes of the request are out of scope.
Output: 10:49
